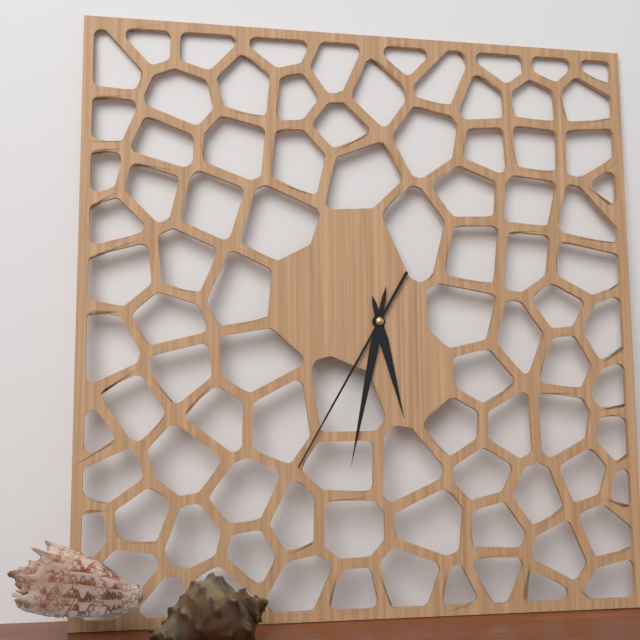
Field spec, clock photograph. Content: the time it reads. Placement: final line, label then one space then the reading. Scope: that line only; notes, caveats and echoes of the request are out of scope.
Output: 5:32:35
